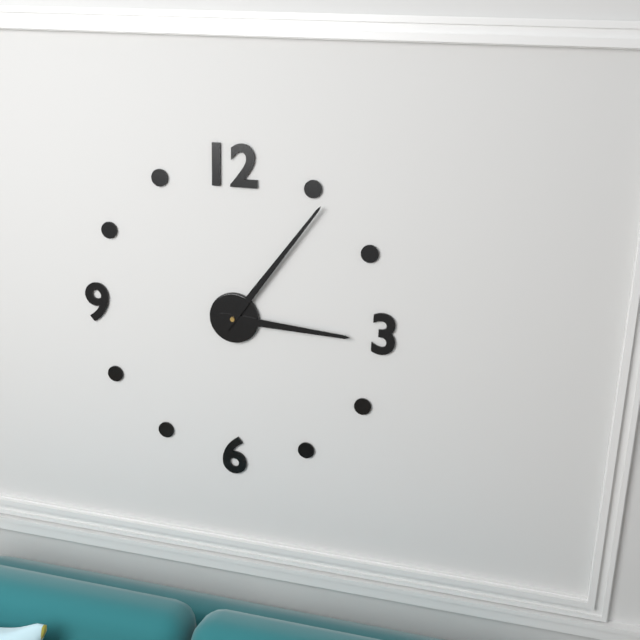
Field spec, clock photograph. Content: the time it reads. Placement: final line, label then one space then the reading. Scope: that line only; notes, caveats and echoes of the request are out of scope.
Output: 3:06
